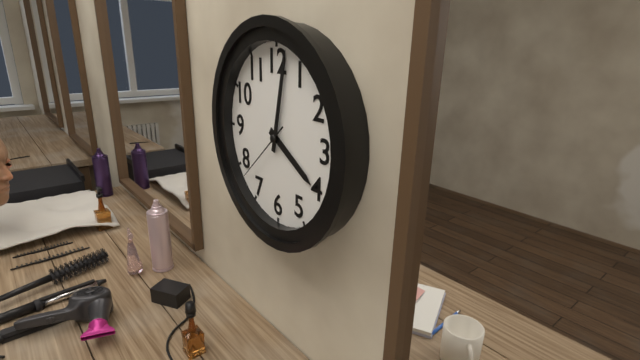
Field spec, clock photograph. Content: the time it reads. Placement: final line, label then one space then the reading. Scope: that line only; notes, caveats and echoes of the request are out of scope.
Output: 4:02:38
